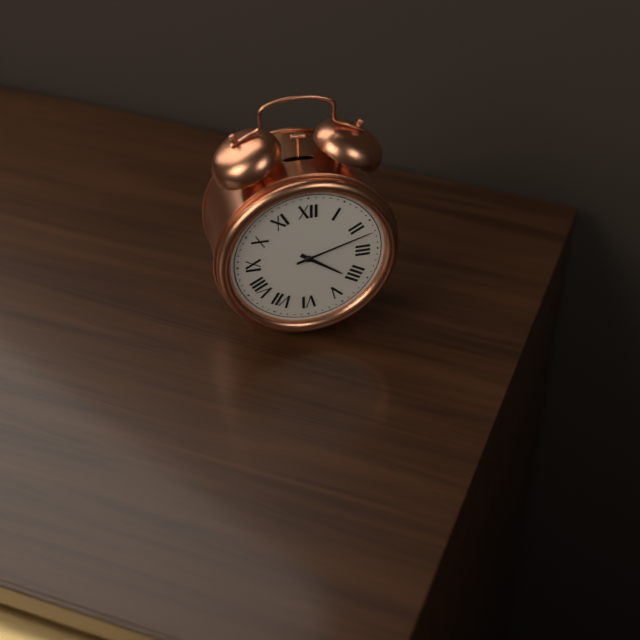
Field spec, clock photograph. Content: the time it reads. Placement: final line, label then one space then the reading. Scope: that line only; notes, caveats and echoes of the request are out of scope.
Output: 4:12
